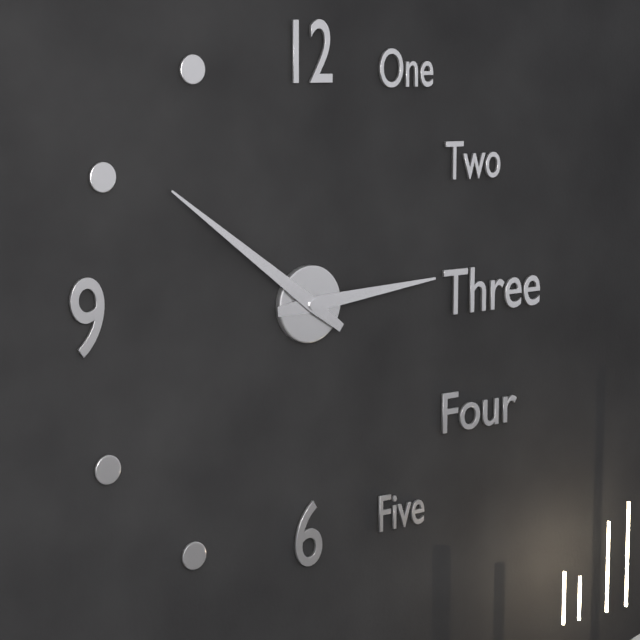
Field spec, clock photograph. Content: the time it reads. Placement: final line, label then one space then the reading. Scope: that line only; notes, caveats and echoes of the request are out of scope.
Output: 2:51
